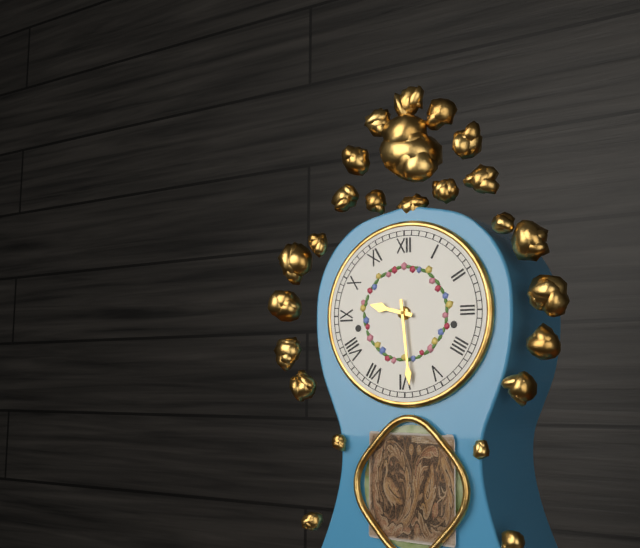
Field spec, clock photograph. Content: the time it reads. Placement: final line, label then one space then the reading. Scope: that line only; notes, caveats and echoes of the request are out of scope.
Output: 9:29
